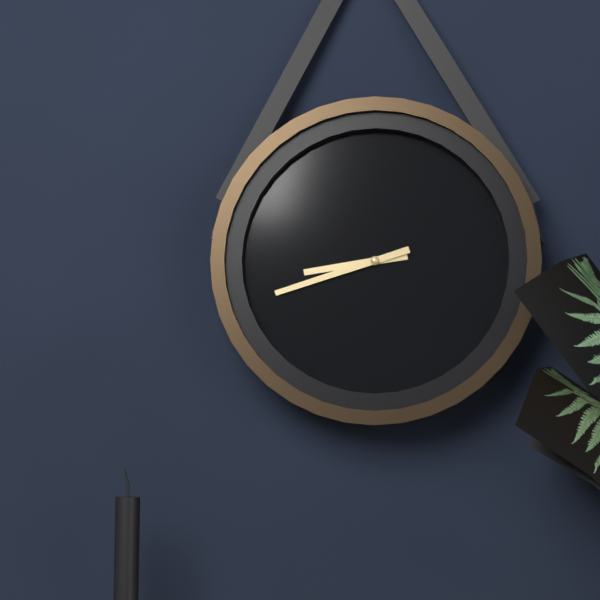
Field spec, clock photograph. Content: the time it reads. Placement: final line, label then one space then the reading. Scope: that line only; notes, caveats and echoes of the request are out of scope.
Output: 8:42
